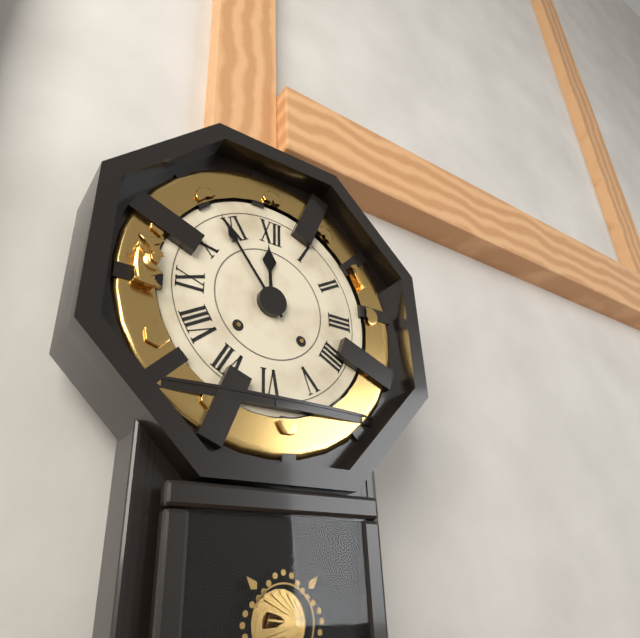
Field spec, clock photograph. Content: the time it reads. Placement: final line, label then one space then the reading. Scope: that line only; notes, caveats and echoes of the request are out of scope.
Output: 11:54
